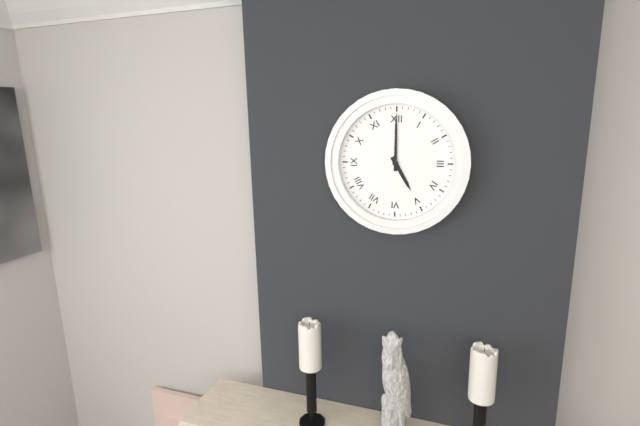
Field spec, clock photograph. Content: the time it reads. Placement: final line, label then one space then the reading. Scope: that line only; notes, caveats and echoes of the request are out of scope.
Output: 5:00
